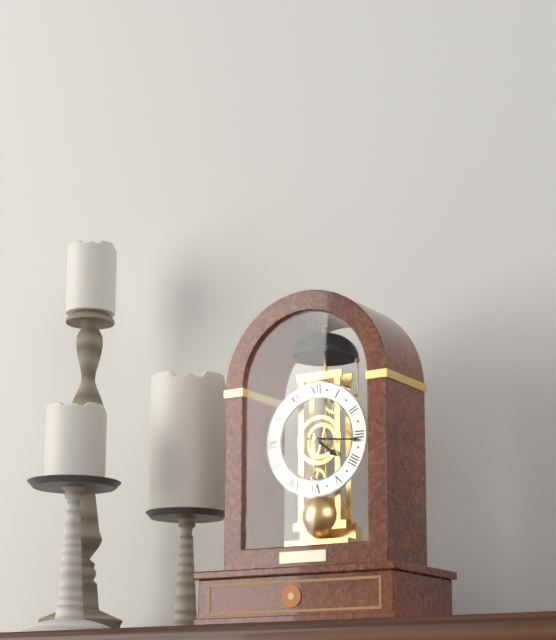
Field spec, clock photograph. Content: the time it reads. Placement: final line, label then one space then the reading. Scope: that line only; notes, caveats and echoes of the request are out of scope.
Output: 4:16
